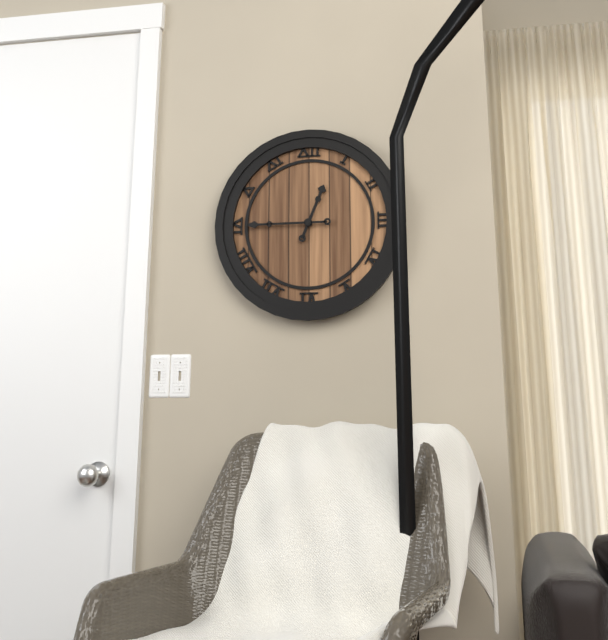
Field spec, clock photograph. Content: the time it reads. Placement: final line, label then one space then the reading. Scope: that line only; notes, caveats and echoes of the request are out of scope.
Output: 12:45
